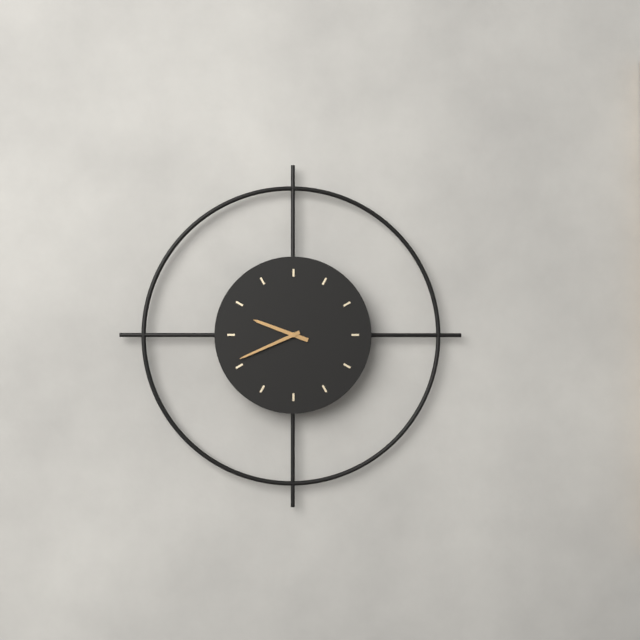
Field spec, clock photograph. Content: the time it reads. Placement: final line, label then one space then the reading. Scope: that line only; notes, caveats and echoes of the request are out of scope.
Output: 9:41
